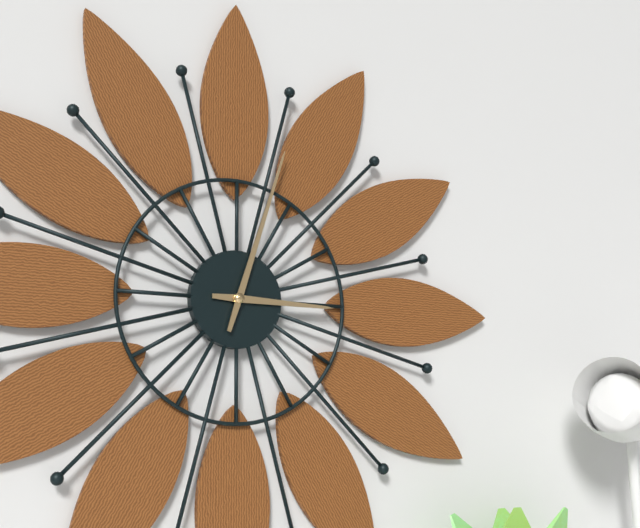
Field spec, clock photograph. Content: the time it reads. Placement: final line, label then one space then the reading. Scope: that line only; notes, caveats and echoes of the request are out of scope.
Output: 3:03
